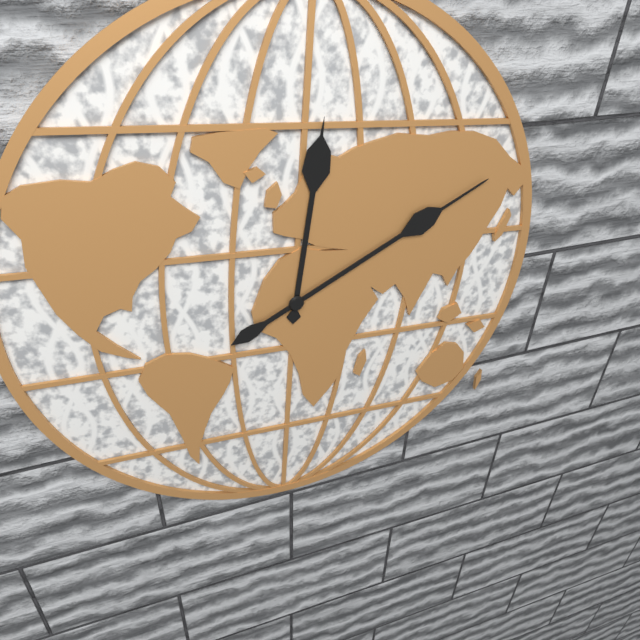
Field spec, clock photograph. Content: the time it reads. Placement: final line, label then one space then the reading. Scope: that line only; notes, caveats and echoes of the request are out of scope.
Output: 12:10
